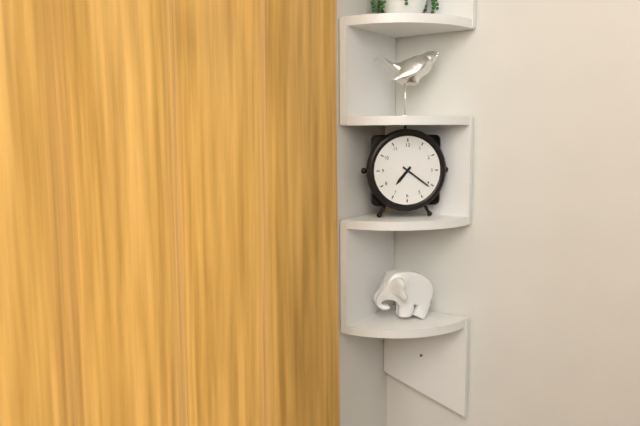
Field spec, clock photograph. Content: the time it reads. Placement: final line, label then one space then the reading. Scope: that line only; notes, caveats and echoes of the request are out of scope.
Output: 7:21
